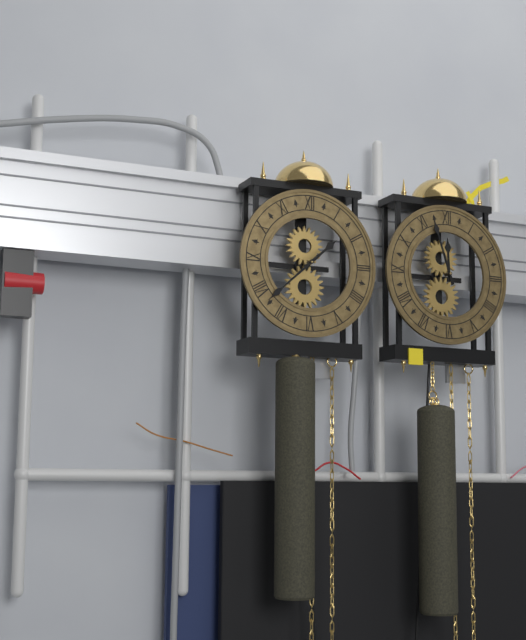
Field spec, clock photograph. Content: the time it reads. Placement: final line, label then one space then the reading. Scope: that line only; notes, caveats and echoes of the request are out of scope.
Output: 1:38
